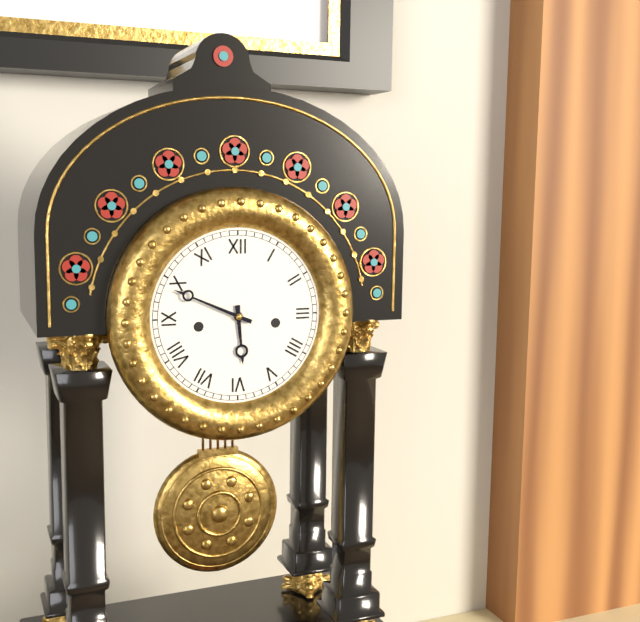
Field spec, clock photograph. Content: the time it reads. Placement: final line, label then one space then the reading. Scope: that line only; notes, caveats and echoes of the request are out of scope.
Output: 5:49
